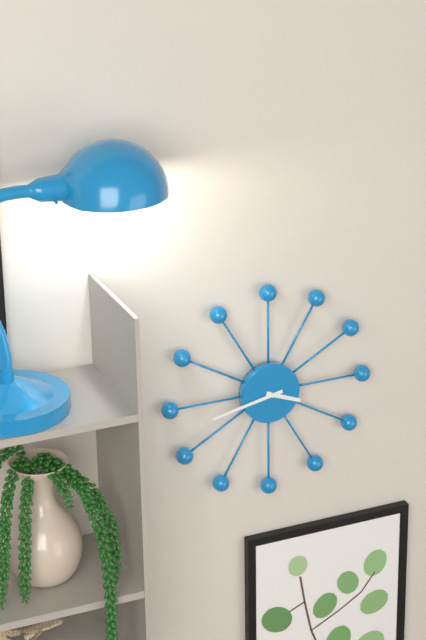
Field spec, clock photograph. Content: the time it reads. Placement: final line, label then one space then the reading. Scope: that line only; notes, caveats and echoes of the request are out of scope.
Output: 3:43
